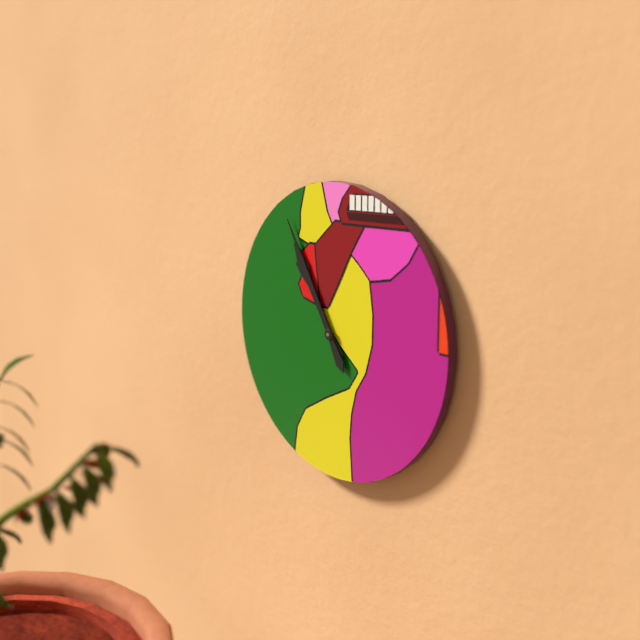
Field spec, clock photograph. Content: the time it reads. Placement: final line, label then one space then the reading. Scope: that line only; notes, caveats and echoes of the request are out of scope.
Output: 10:55
